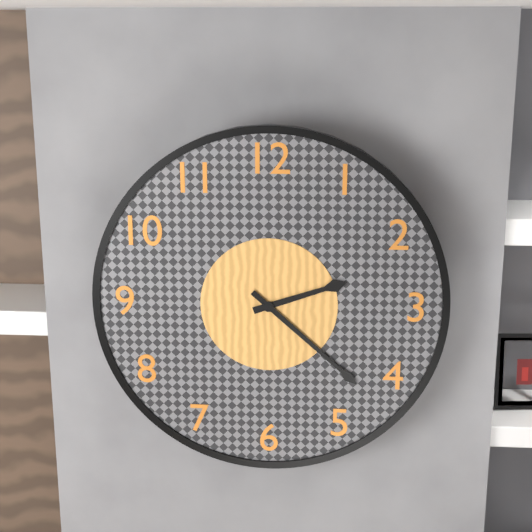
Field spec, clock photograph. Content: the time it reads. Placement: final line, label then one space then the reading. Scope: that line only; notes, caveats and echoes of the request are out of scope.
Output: 2:22
